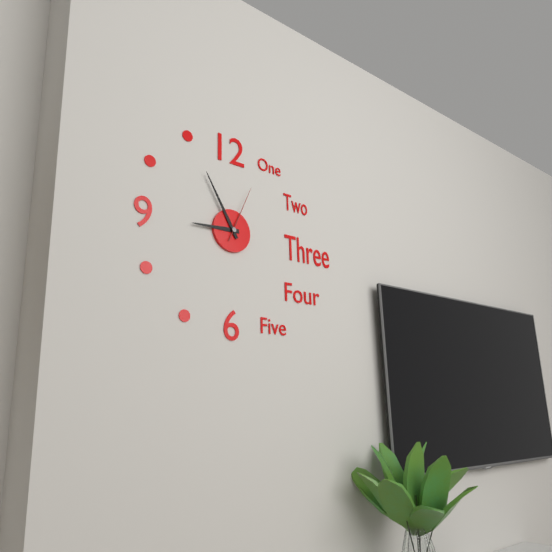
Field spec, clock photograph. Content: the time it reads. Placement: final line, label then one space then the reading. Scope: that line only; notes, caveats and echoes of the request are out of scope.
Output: 8:55:04
